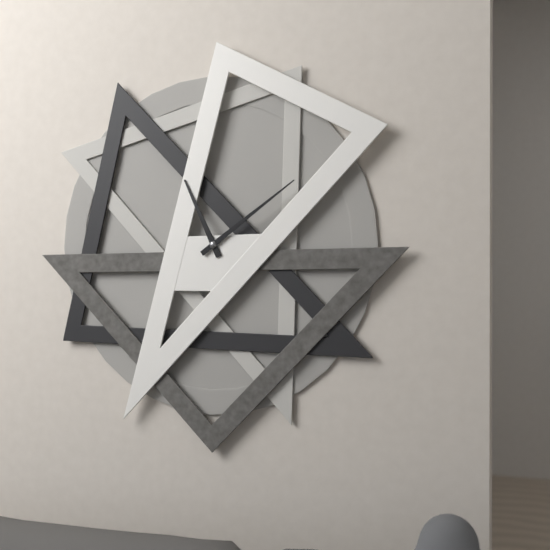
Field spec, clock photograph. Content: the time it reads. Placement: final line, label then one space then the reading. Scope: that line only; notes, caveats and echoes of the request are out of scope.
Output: 11:09
